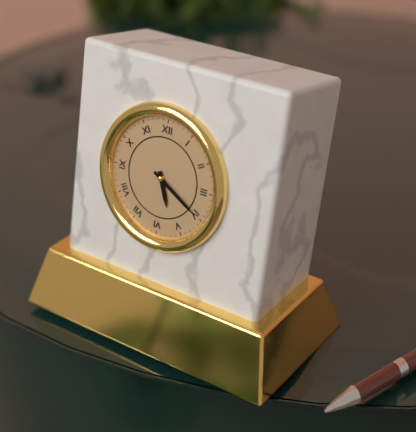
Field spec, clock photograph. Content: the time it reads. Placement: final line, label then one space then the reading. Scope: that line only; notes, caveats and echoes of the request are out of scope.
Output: 5:20
